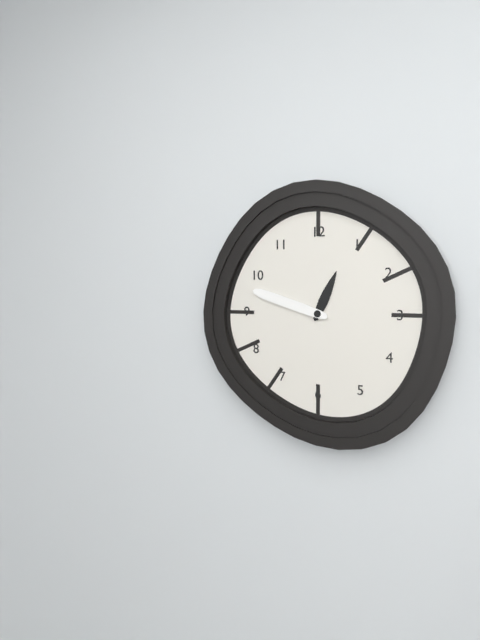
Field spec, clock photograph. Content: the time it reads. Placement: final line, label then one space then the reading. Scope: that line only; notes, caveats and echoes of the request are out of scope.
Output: 12:48
